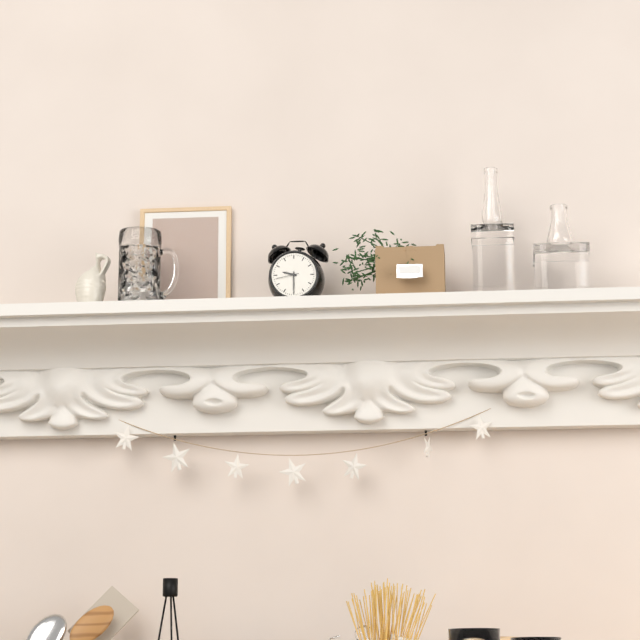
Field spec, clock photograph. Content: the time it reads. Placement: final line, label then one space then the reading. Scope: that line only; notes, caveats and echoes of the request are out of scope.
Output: 9:30
